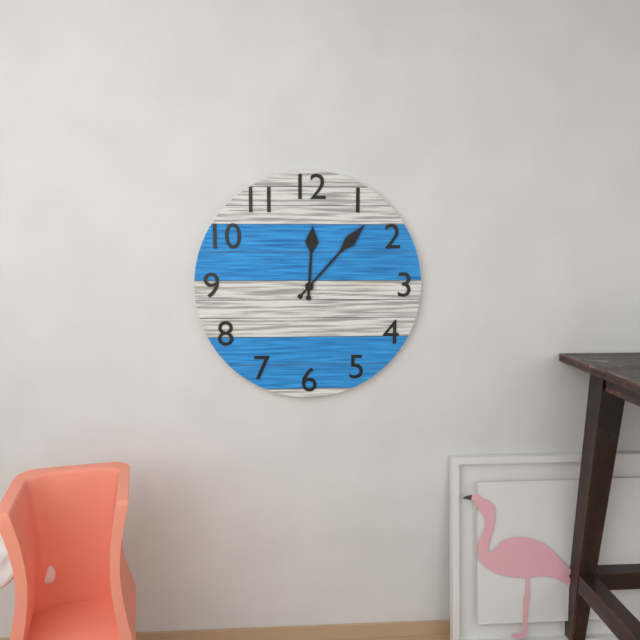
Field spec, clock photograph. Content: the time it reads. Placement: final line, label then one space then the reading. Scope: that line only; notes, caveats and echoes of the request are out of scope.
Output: 12:07
